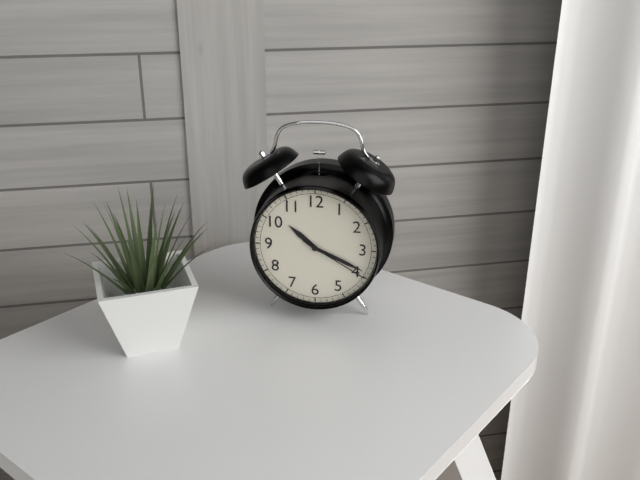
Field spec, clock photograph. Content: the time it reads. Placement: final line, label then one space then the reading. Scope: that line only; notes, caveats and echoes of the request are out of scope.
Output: 10:19:20
